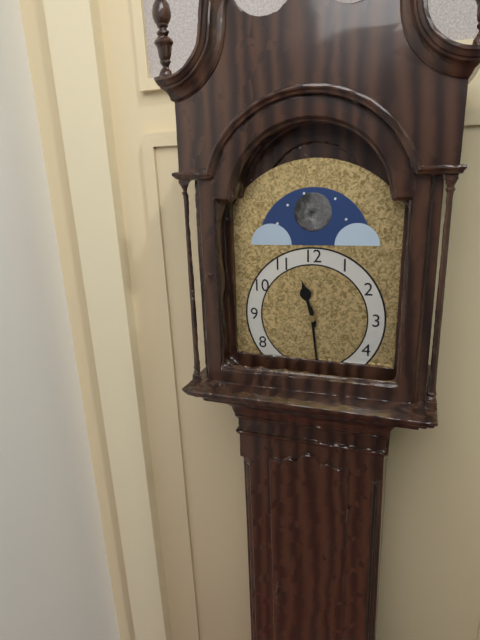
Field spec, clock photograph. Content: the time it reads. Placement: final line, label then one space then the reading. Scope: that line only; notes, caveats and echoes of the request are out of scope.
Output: 11:29
